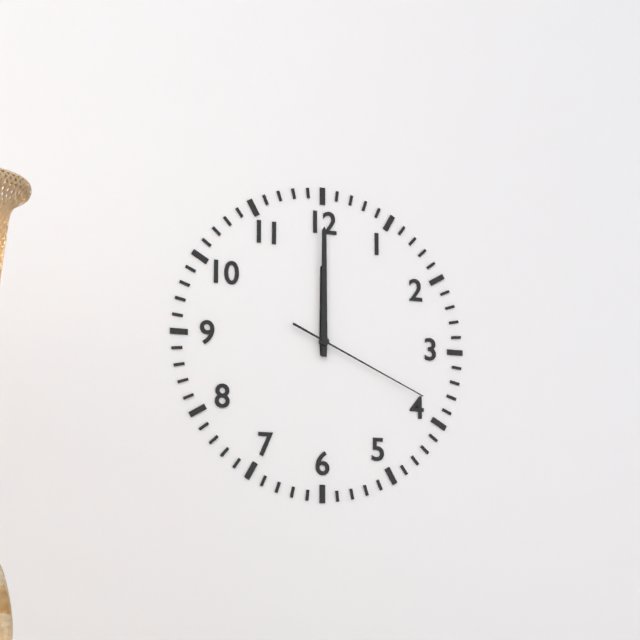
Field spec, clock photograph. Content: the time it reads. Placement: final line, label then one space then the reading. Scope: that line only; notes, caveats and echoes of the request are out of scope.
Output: 12:00:19
